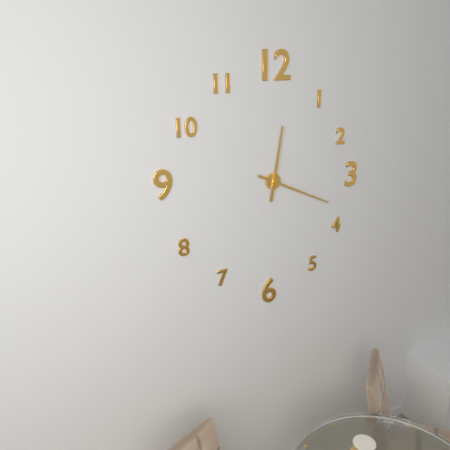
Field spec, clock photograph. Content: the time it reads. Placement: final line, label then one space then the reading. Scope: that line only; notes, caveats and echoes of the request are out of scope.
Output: 12:19
